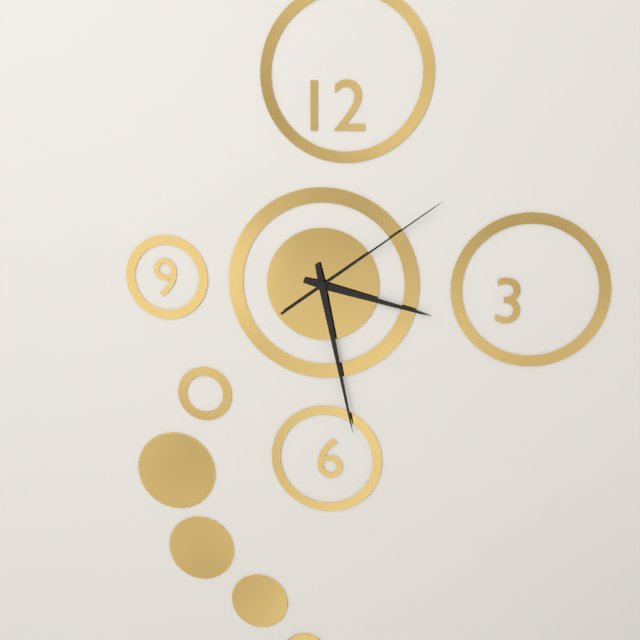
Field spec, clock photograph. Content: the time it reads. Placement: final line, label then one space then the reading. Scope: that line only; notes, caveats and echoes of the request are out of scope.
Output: 3:28:09
